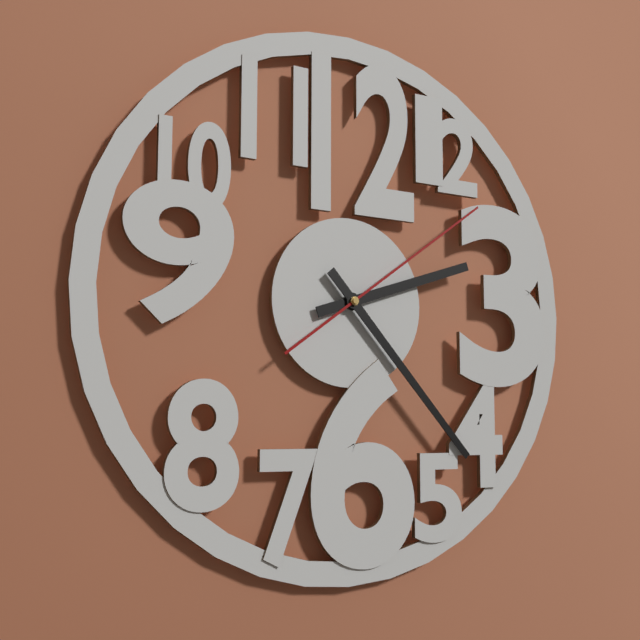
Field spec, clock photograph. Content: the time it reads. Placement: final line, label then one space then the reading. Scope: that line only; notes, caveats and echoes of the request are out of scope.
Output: 2:23:09
